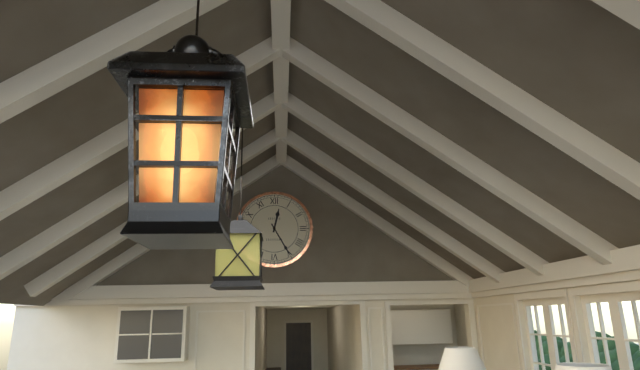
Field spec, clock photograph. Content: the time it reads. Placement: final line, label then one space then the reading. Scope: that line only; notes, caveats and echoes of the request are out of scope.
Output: 12:25
